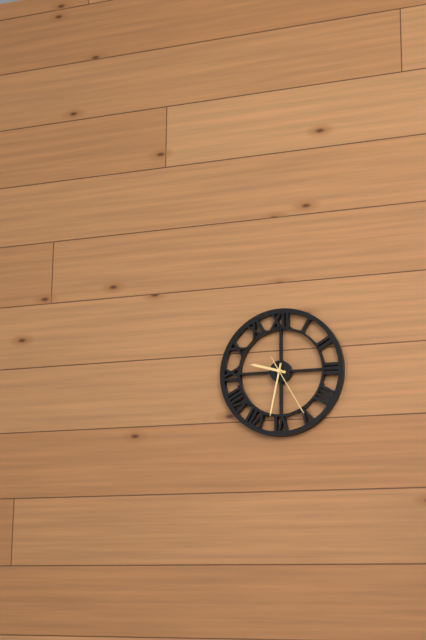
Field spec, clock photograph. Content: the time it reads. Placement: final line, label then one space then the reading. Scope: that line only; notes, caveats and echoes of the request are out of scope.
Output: 9:32:25
